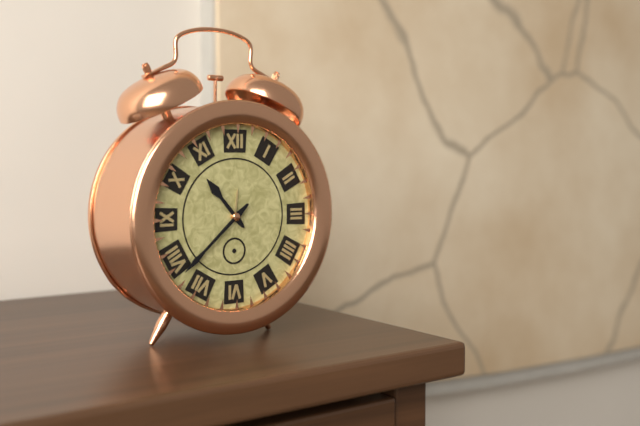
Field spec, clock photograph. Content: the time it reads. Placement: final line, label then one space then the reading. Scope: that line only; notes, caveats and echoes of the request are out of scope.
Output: 10:38
